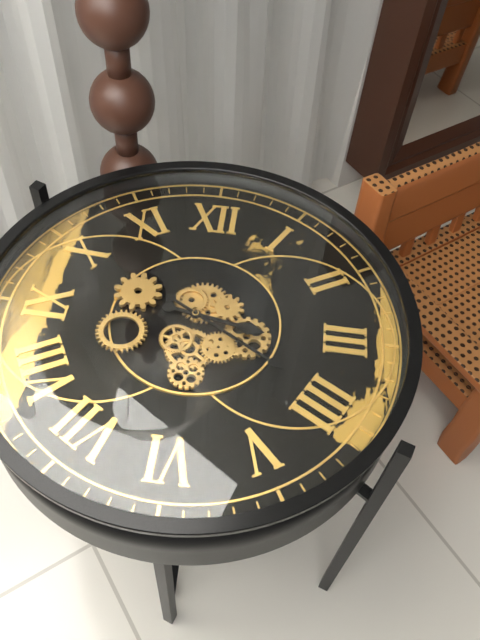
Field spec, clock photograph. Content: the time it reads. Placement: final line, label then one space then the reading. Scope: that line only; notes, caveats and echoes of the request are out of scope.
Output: 3:20
